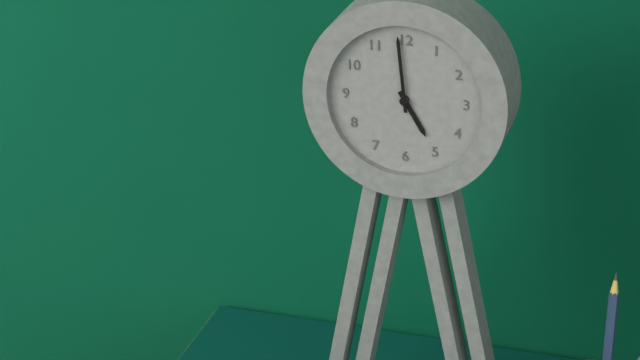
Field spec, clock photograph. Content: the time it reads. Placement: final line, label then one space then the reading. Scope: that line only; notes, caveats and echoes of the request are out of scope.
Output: 4:59
